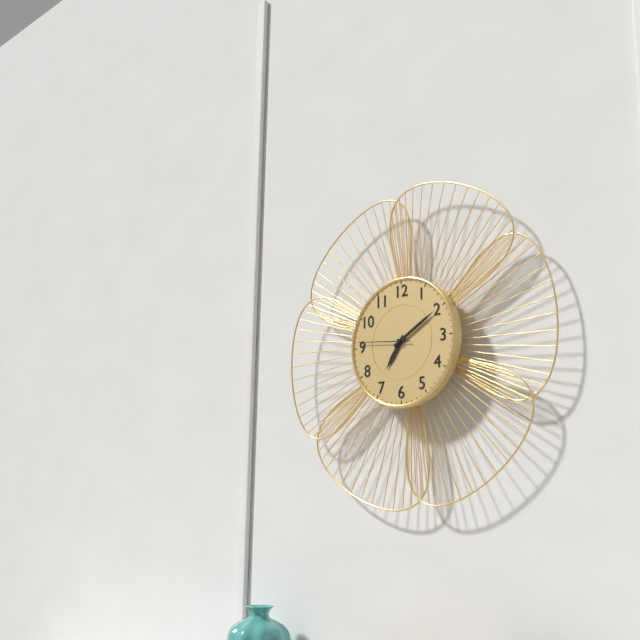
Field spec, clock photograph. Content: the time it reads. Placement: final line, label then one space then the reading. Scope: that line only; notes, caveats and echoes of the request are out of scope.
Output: 7:10:46
